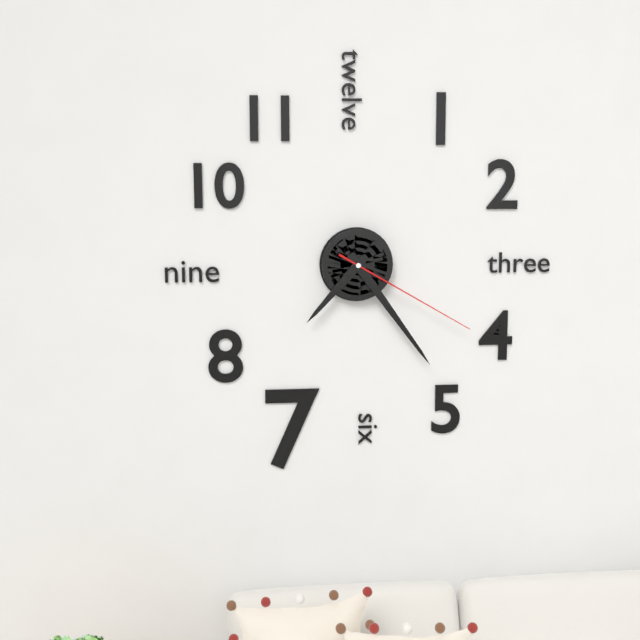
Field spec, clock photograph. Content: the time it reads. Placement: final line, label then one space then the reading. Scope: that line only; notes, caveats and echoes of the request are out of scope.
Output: 7:24:20
